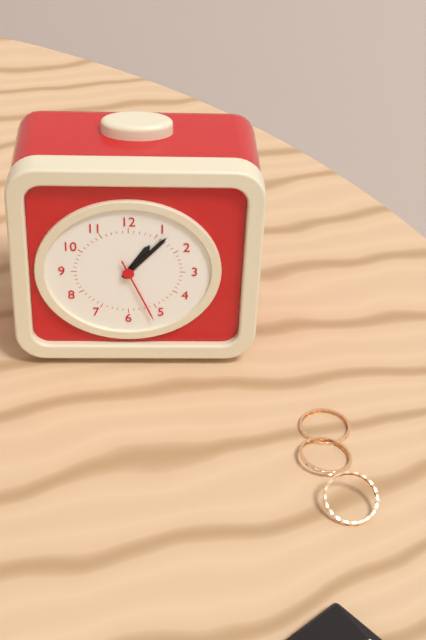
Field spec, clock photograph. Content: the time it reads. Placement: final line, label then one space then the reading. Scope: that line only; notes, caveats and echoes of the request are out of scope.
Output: 1:07:26
